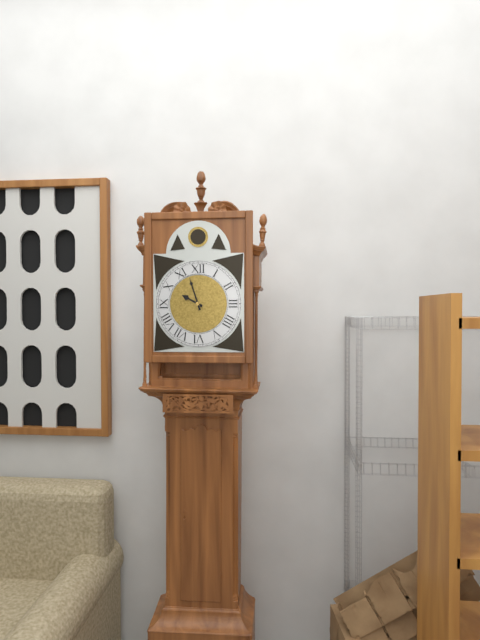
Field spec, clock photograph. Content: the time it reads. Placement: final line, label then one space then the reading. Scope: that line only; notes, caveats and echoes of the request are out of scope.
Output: 9:57
